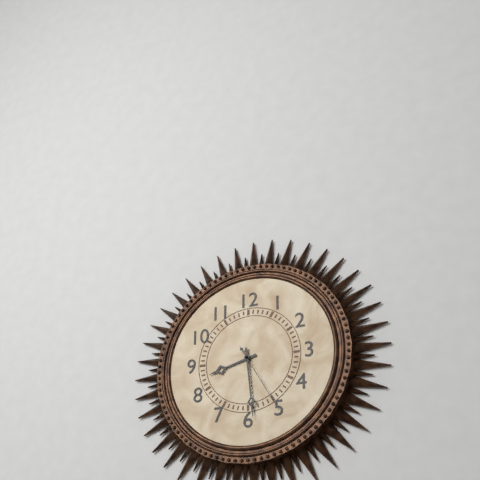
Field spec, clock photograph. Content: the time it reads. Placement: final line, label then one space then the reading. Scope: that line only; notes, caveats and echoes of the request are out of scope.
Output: 8:29:25
